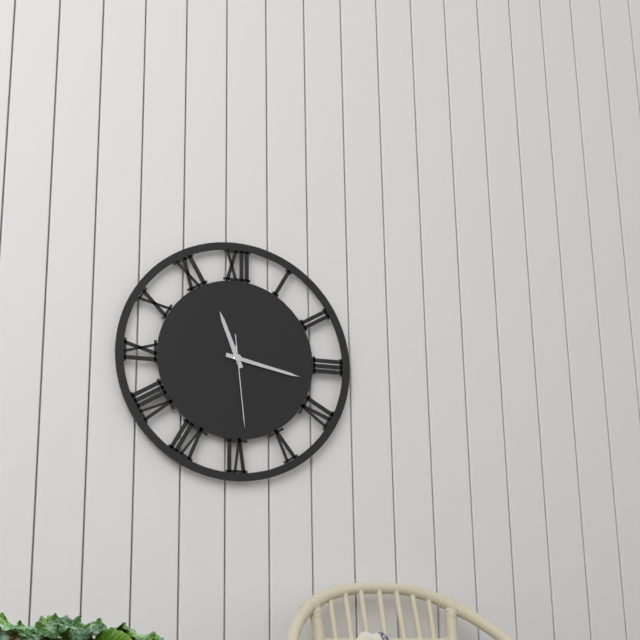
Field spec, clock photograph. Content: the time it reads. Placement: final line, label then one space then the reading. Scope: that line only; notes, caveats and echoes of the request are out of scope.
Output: 11:17:29
